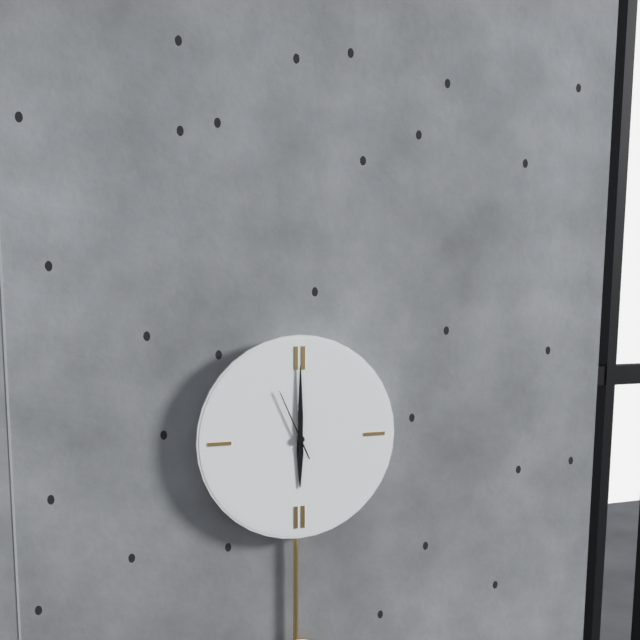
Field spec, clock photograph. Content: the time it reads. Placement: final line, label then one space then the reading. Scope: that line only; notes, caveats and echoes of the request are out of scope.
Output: 6:00:56
